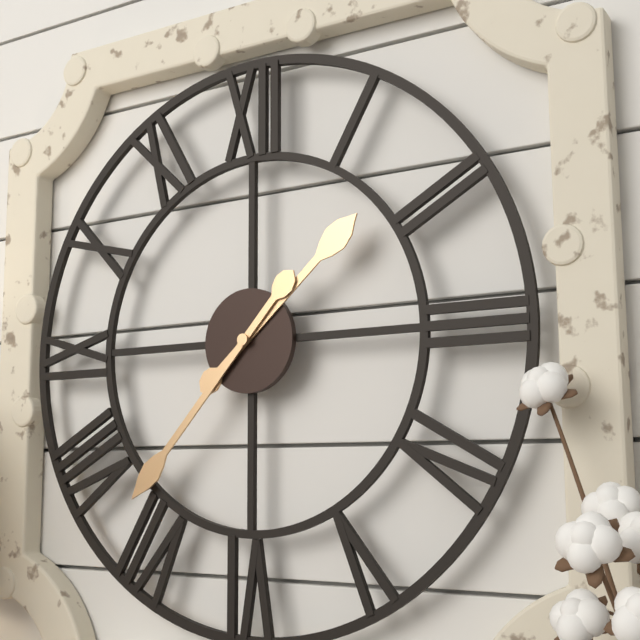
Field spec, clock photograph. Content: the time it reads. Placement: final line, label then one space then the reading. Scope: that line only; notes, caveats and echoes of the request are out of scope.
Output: 1:37
